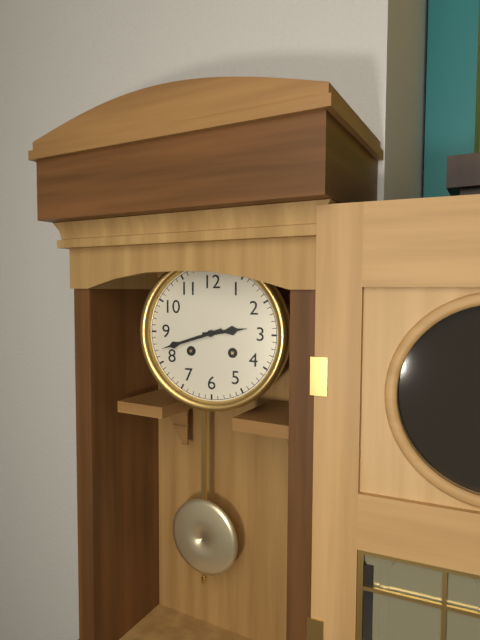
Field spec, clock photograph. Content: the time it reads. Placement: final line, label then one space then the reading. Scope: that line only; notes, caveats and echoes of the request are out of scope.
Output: 2:42
